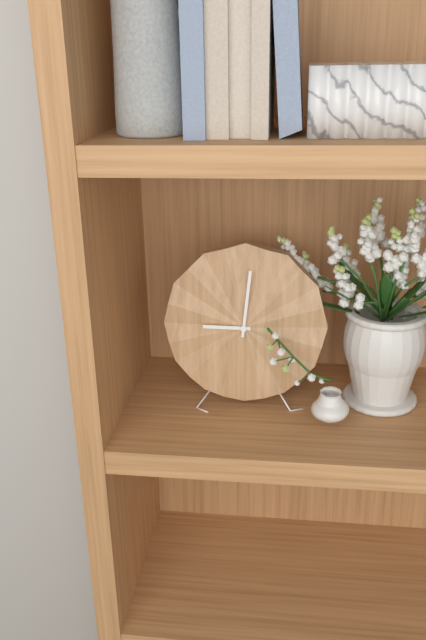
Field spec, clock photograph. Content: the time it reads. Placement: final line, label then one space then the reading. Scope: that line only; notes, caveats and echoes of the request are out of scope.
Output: 9:01
